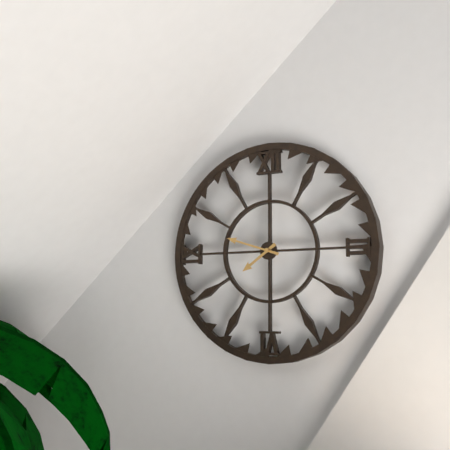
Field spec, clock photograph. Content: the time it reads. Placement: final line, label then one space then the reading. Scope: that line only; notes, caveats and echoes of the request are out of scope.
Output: 7:48
